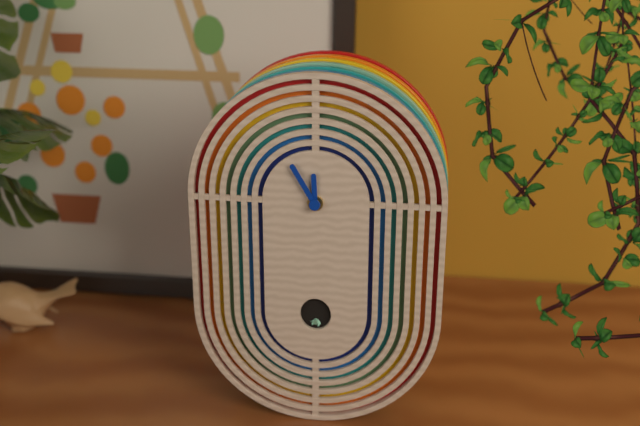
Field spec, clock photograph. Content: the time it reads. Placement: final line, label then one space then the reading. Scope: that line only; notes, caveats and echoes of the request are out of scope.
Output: 11:55
